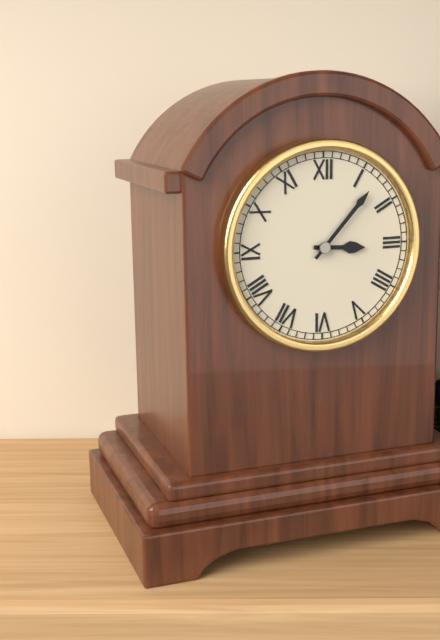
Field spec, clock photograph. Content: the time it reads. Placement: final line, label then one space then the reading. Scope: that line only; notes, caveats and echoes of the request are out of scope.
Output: 3:07
